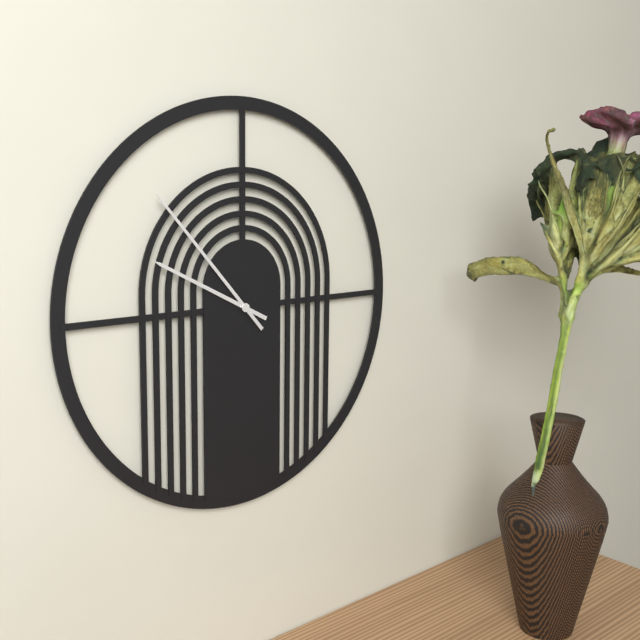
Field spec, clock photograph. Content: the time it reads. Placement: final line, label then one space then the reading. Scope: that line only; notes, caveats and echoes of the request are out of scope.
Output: 9:53
